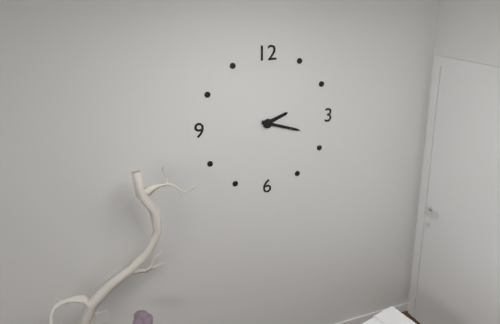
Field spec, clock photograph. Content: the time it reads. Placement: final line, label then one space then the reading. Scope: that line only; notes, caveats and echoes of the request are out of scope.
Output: 2:18
